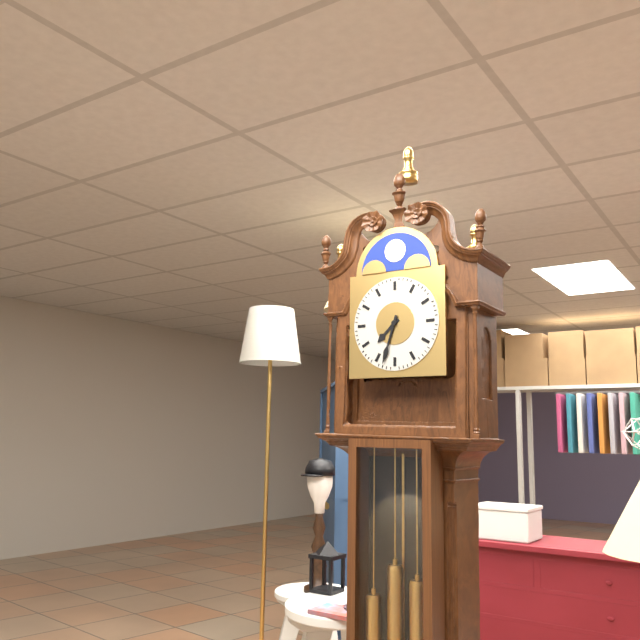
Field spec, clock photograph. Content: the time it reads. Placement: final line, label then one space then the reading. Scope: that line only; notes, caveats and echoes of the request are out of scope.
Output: 7:33
